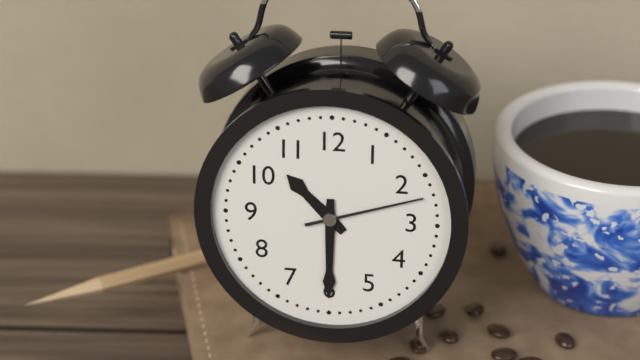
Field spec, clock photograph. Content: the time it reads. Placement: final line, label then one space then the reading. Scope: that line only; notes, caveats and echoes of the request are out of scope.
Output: 10:30:12
